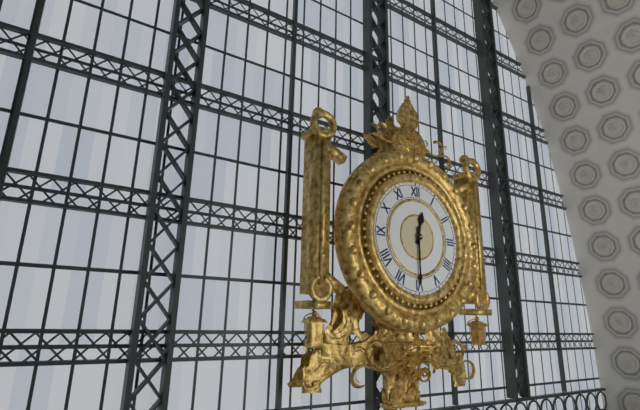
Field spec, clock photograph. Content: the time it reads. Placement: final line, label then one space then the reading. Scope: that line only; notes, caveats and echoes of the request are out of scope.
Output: 12:30
